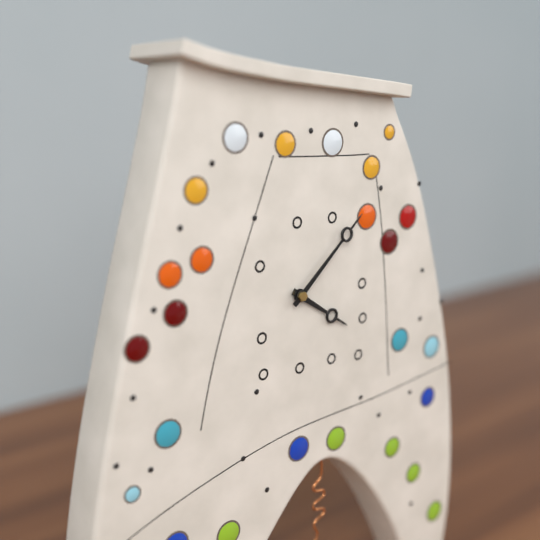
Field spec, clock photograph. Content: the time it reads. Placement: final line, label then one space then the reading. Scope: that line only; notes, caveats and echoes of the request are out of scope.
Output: 4:08
